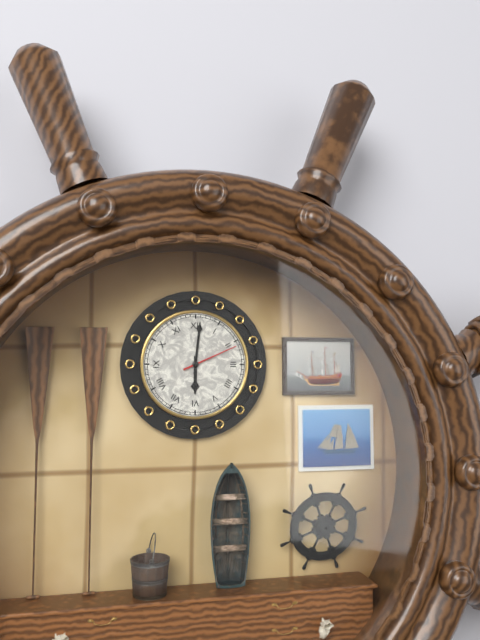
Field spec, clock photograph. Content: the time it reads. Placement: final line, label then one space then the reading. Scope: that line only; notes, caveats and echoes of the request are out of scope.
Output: 6:01:11
